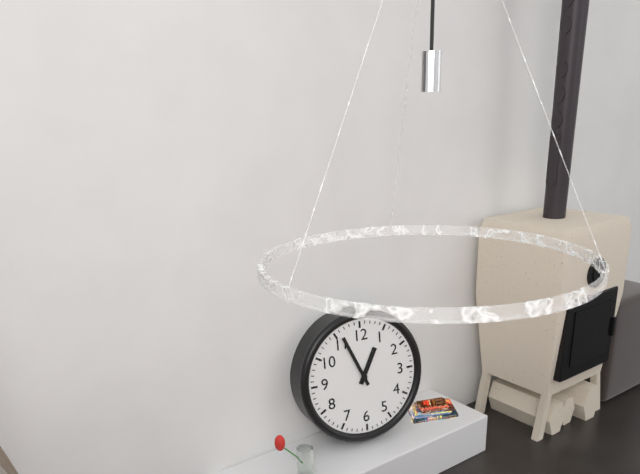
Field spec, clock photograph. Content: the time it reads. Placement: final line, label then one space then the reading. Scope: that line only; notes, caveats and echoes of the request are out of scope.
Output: 12:56
